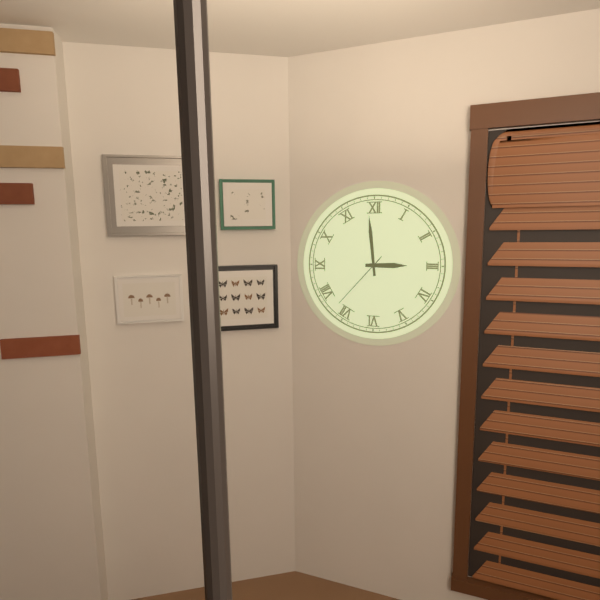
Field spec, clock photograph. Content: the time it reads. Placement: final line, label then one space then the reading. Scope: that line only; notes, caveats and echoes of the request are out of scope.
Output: 2:59:37
